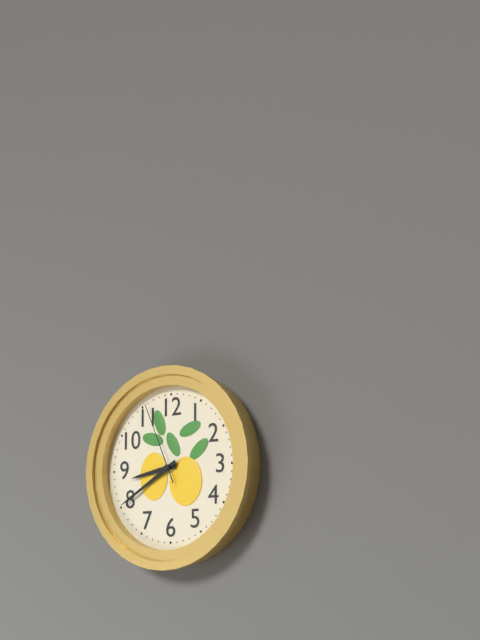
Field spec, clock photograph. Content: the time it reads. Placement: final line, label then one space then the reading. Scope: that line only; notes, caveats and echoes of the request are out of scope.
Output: 8:40:56
